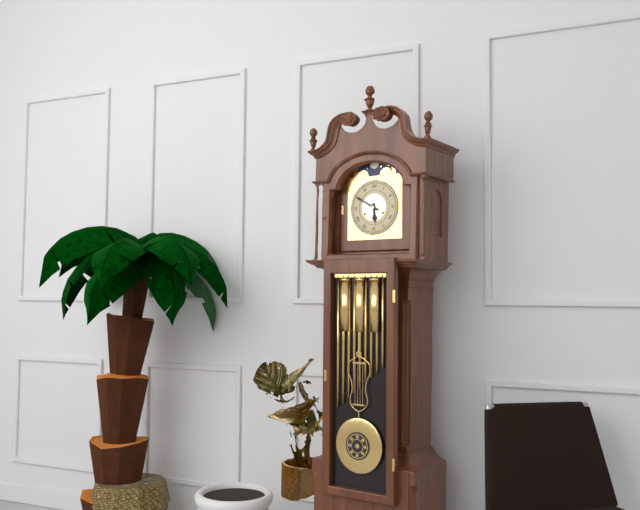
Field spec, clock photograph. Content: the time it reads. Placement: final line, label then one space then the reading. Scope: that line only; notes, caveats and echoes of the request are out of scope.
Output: 5:50
